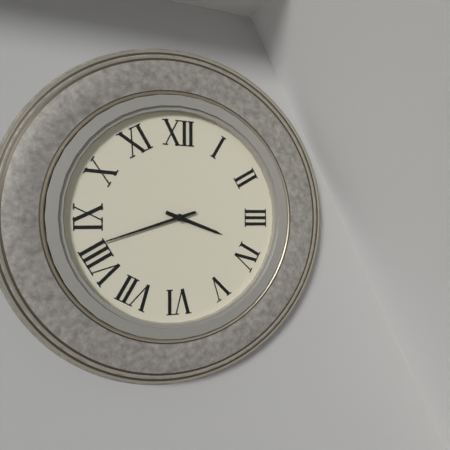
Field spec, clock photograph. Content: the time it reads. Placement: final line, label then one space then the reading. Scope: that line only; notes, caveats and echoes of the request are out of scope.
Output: 3:42
